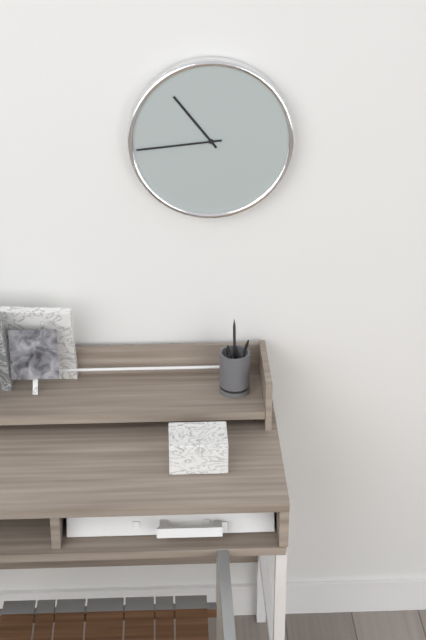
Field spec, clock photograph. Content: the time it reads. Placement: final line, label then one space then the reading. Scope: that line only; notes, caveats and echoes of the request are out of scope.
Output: 10:44
